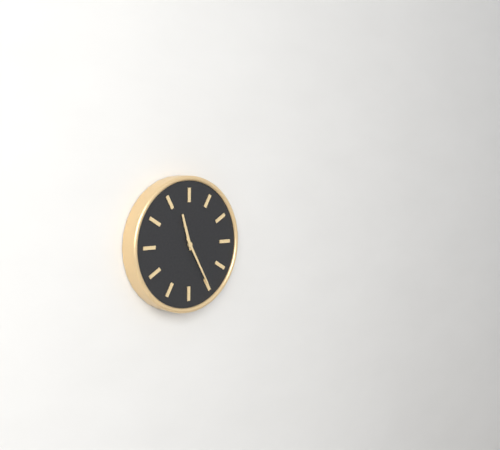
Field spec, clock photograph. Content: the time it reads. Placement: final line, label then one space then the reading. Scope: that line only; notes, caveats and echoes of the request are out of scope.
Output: 11:25
